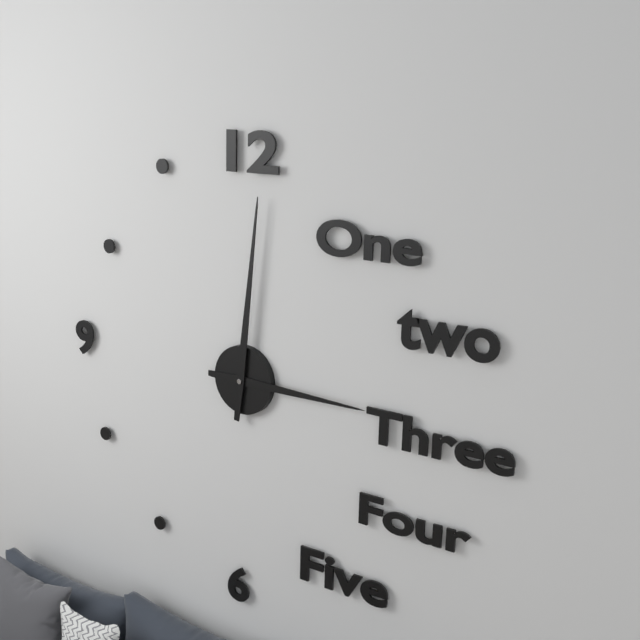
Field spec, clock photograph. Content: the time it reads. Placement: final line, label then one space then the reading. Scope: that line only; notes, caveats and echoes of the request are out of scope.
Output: 3:01
